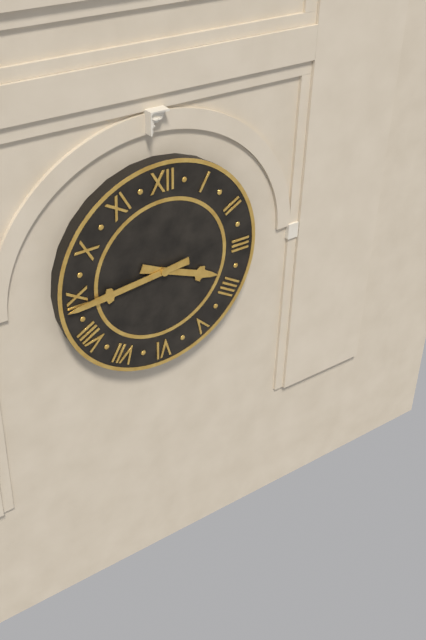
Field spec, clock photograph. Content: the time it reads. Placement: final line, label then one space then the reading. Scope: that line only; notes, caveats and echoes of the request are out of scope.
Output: 3:44
